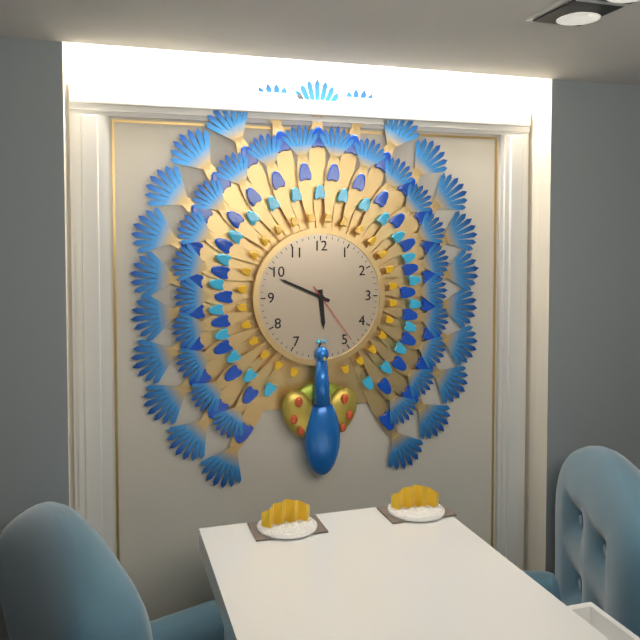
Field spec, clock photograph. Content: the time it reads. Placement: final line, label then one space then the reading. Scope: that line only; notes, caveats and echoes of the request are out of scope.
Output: 5:49:24
